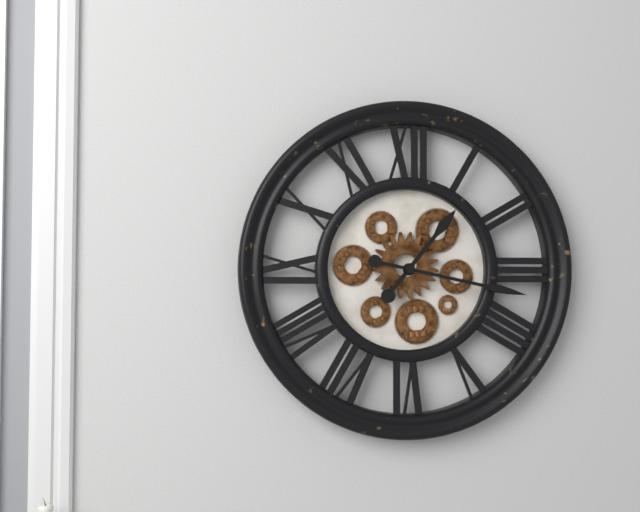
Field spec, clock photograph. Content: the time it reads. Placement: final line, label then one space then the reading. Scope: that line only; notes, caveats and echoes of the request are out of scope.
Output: 1:17
